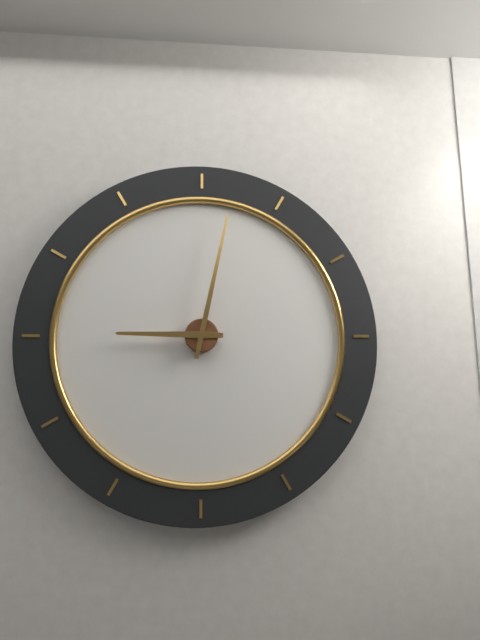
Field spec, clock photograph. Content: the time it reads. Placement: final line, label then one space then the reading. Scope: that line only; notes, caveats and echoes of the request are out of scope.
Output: 9:02
